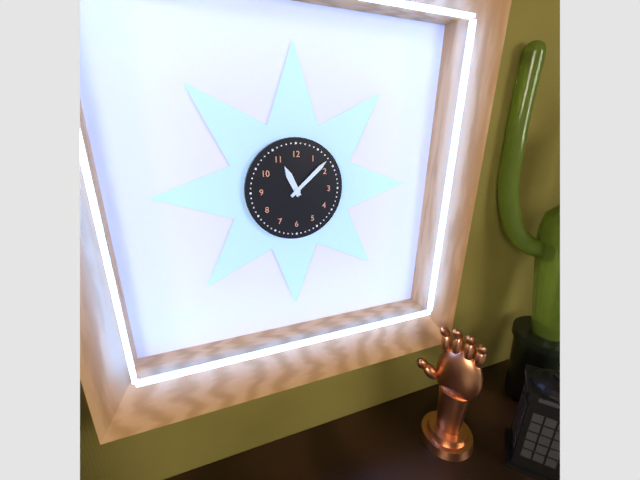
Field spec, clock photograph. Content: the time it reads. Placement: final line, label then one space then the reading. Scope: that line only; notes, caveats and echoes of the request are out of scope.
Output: 11:08
